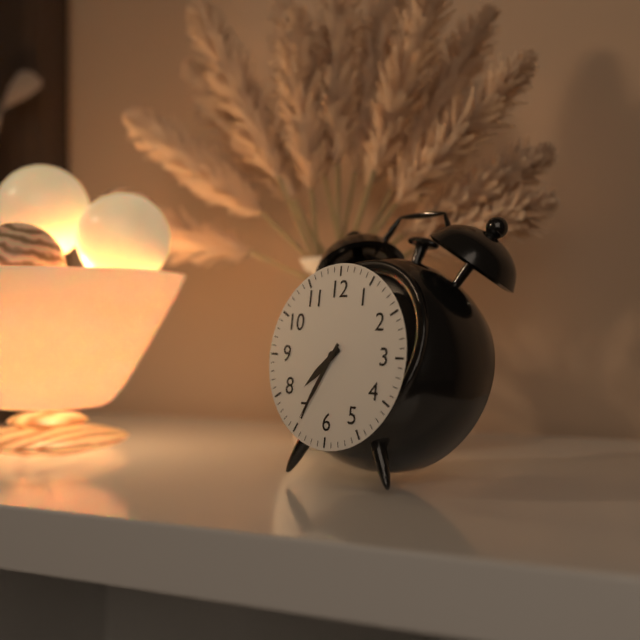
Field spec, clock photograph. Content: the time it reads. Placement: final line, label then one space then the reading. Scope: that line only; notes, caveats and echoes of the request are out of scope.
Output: 7:35
